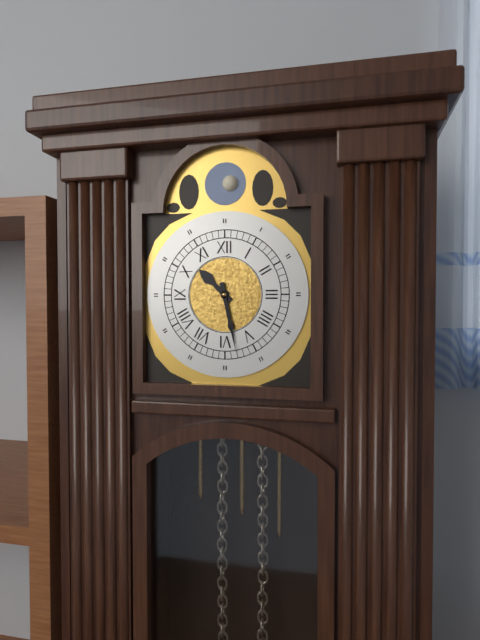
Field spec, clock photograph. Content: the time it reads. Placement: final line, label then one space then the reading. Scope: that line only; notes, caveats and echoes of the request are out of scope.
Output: 10:28
